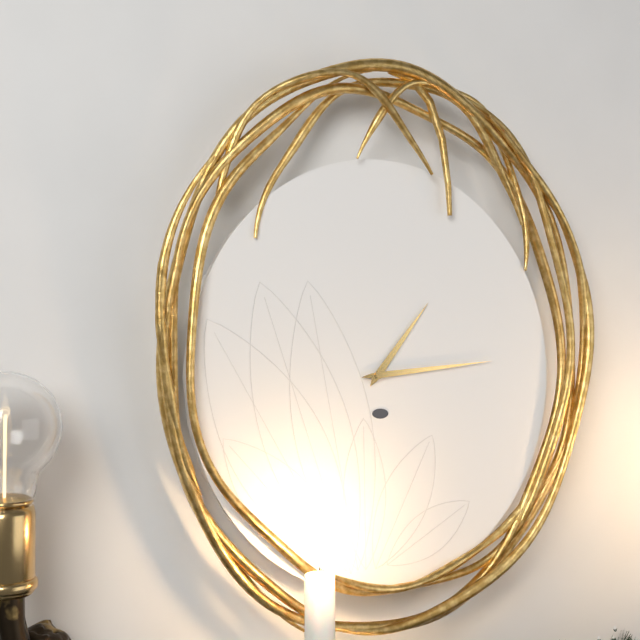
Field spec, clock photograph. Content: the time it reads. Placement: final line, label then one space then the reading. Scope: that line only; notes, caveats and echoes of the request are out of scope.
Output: 1:14
